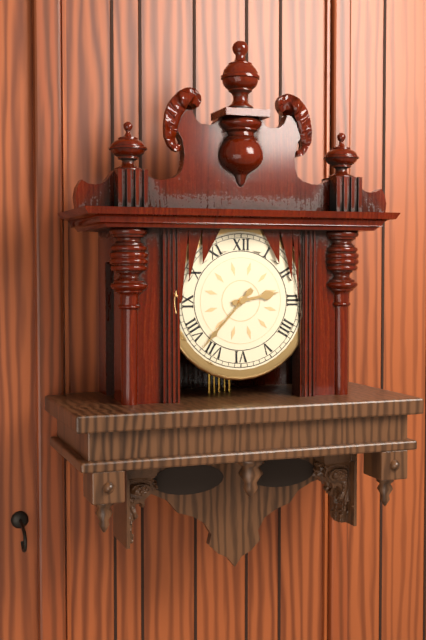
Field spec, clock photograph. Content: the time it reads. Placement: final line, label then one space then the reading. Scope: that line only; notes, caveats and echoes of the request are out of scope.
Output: 2:37
